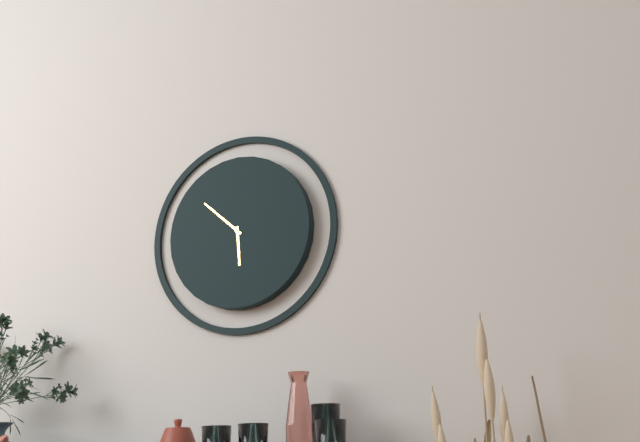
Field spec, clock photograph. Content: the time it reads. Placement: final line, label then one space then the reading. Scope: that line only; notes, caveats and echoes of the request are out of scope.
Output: 5:52
